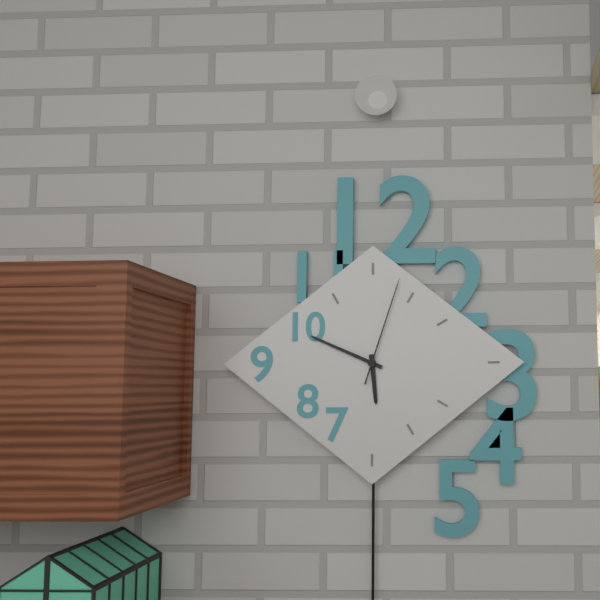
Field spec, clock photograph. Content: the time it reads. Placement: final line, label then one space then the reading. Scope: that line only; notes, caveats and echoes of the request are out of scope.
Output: 5:49:03
